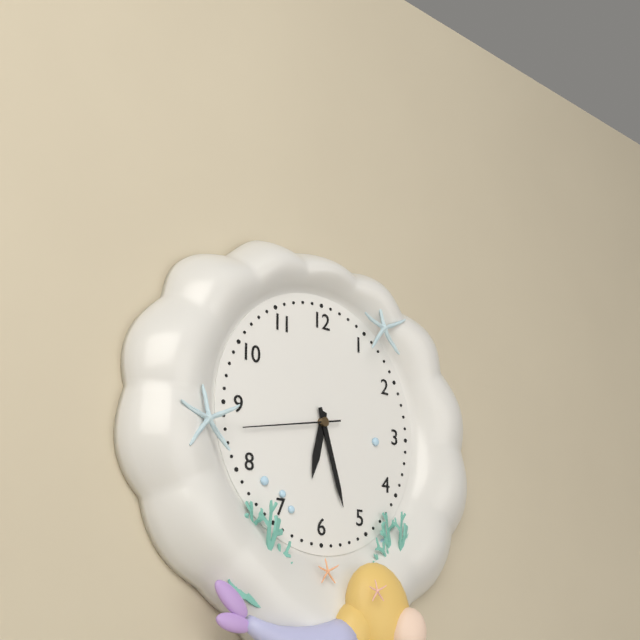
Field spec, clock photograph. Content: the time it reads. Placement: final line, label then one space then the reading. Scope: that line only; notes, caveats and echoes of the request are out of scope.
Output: 6:27:43
